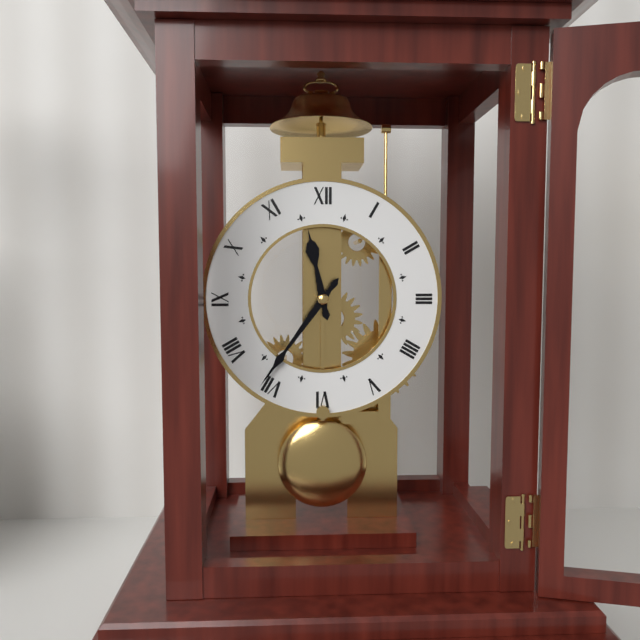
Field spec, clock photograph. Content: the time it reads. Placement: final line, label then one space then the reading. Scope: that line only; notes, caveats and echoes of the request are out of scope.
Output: 11:36
